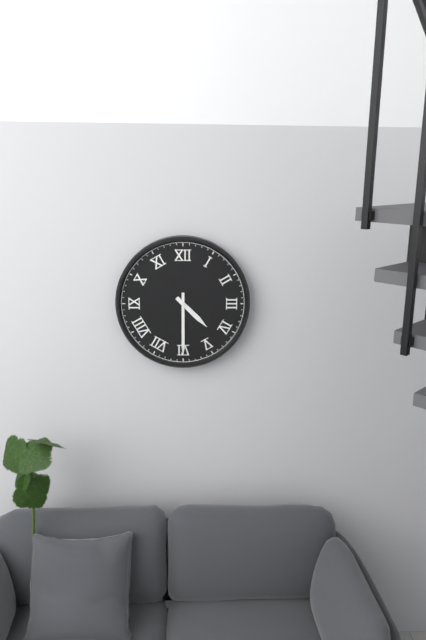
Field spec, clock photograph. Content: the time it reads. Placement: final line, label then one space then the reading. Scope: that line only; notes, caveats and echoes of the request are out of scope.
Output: 4:30
